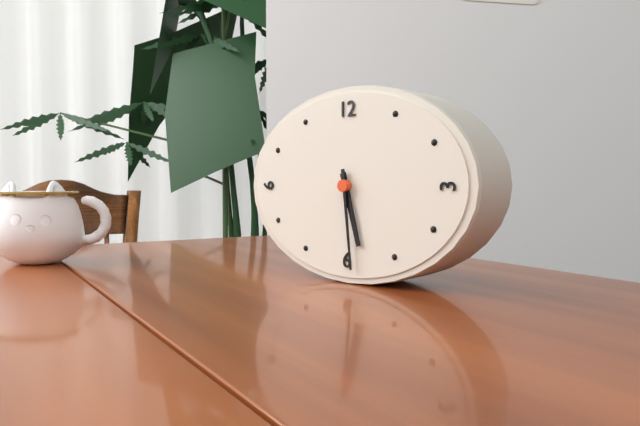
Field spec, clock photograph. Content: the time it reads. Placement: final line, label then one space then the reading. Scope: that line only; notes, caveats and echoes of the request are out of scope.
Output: 5:29
